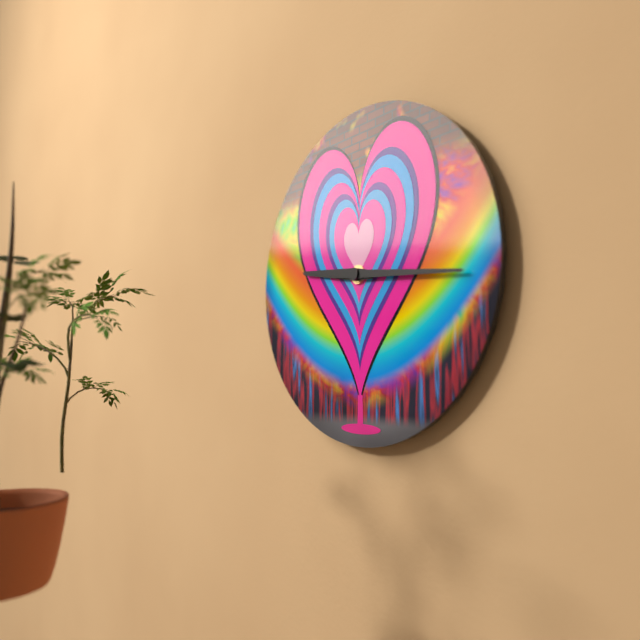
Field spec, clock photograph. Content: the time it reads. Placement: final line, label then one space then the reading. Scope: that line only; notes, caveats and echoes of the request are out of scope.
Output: 9:16
